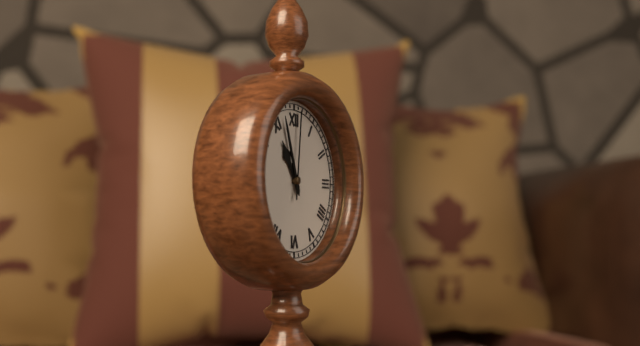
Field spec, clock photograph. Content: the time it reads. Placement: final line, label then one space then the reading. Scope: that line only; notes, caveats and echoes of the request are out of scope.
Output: 10:57:01
